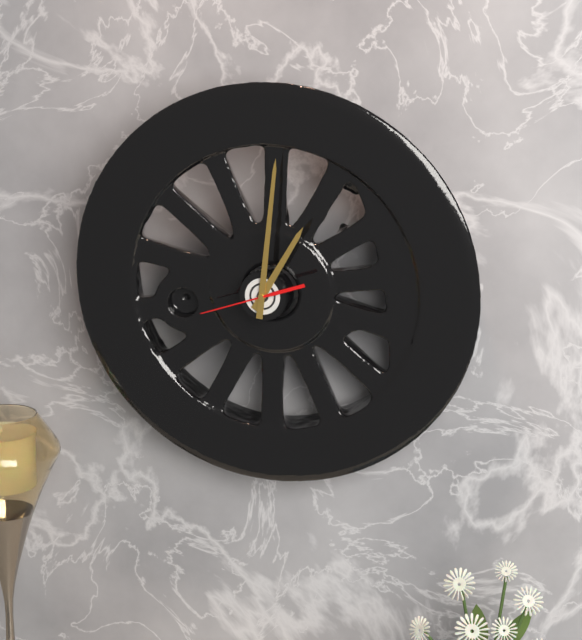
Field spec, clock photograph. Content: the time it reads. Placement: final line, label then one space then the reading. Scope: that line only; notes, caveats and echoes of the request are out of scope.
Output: 1:01:42
